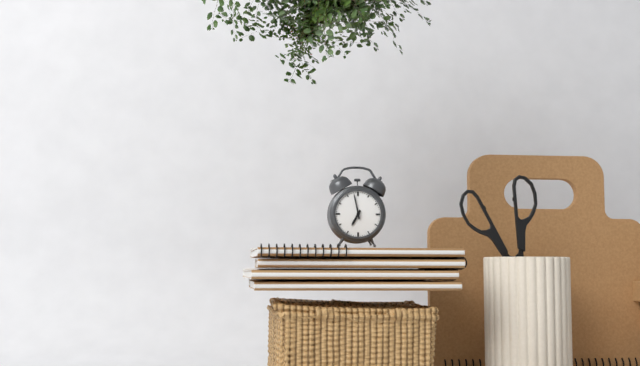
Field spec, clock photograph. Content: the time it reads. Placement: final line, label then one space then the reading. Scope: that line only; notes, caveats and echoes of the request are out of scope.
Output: 6:58
